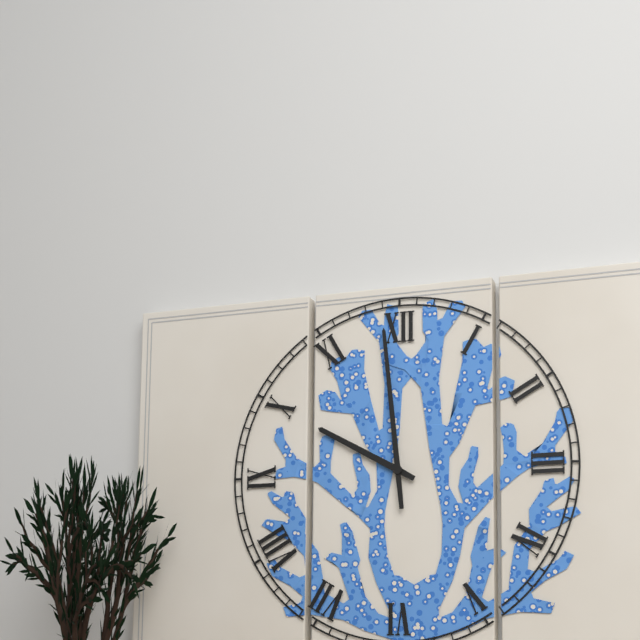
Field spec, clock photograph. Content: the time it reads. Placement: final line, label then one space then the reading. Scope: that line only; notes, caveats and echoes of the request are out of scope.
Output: 9:59
